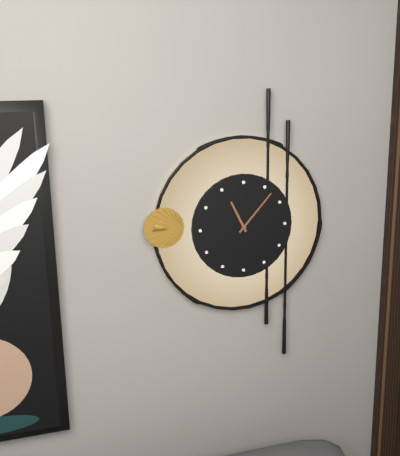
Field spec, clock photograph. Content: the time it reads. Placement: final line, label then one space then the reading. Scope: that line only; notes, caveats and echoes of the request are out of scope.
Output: 11:07
